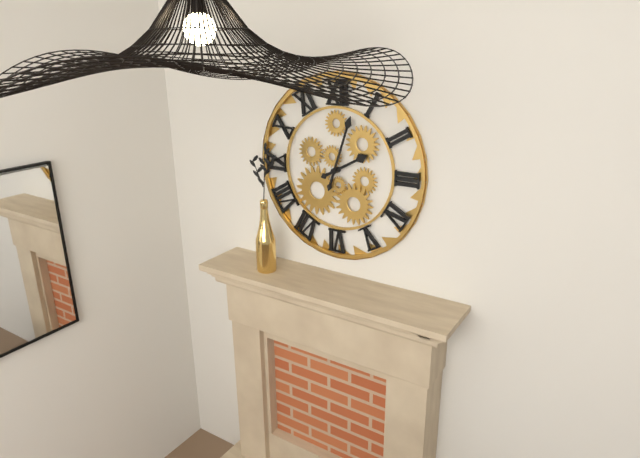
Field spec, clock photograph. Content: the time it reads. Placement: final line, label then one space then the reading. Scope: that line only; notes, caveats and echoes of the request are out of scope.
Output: 2:03
